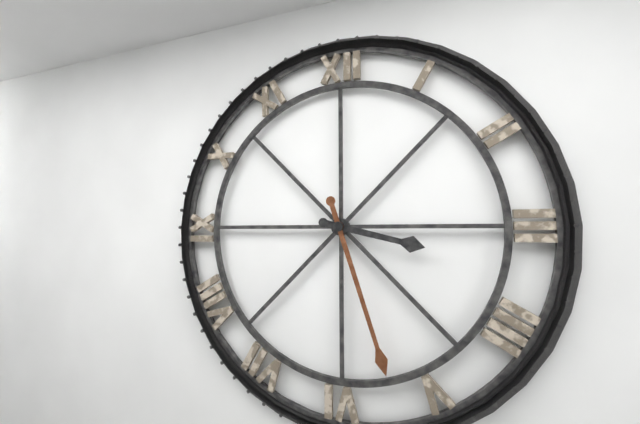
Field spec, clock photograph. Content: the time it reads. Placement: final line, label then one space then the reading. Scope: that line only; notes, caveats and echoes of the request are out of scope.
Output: 3:27
